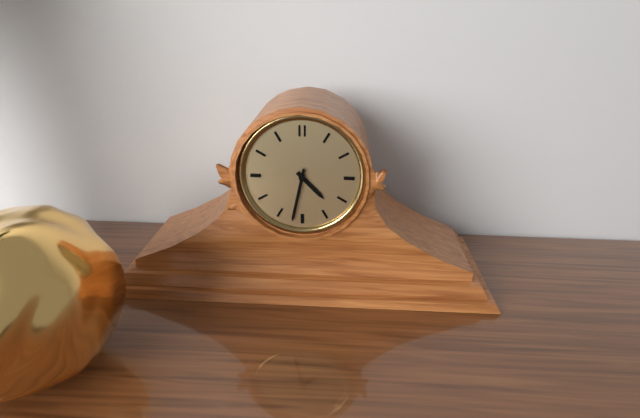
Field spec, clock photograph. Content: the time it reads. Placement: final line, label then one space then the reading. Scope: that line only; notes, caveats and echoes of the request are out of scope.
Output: 4:32
